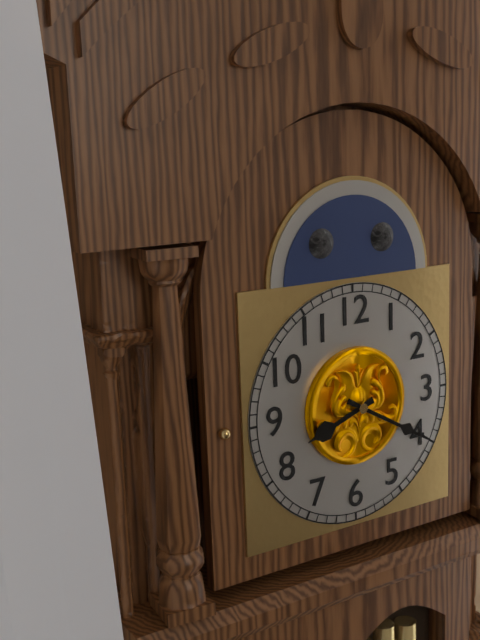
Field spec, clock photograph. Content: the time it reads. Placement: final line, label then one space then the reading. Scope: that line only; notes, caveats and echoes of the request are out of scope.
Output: 8:20
